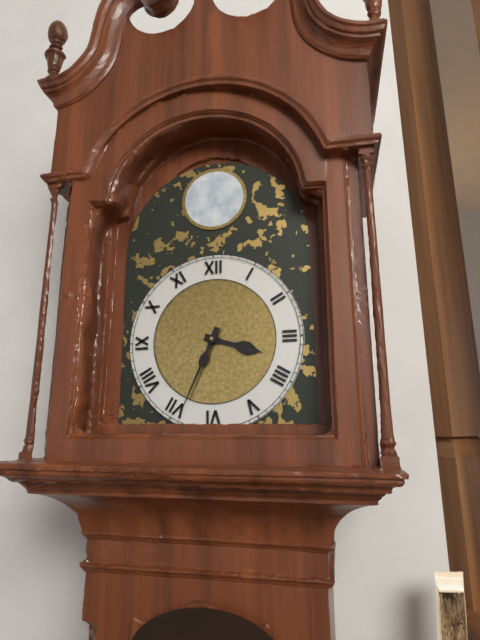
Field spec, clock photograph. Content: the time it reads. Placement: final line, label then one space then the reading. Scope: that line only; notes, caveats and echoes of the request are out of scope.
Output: 3:34
